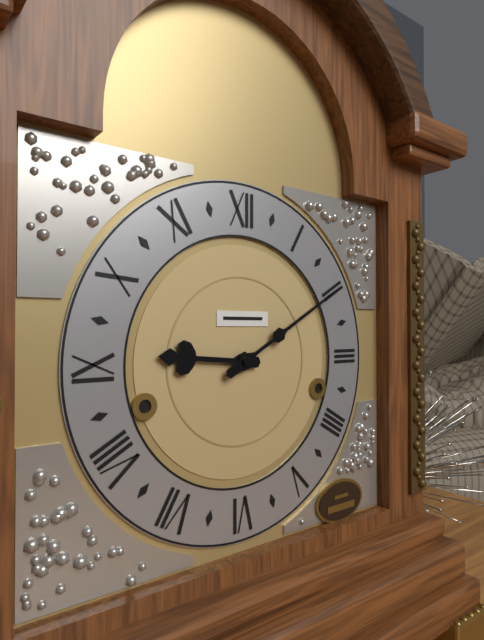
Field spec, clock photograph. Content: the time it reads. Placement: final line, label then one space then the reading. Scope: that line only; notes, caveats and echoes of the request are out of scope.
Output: 9:10
